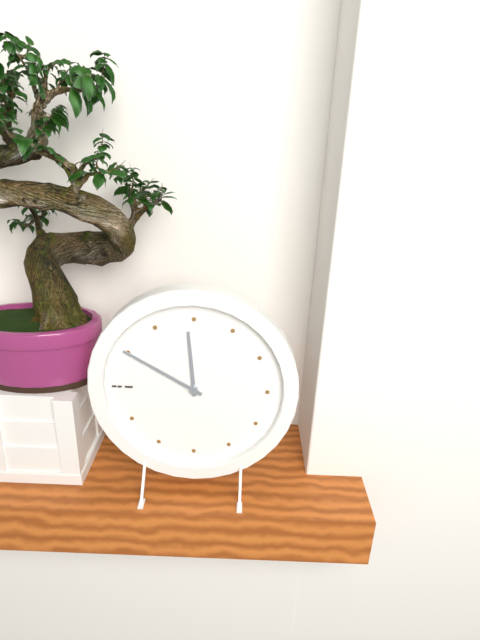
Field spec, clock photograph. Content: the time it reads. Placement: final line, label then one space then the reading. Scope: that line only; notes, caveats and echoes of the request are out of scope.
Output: 11:50
